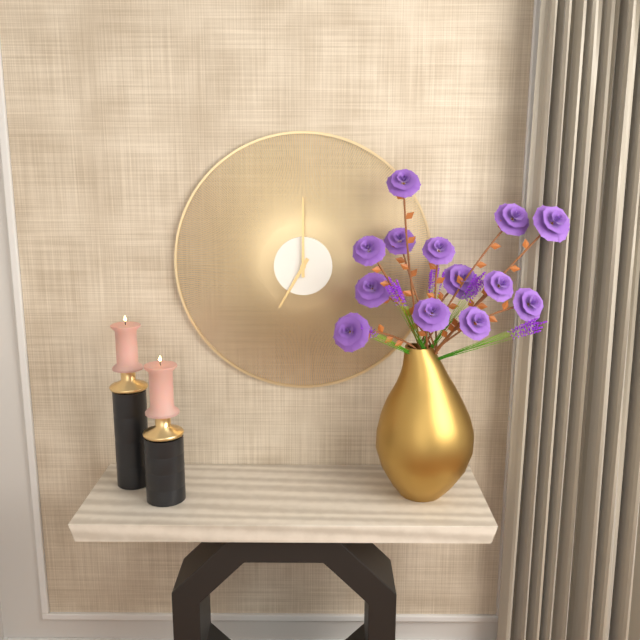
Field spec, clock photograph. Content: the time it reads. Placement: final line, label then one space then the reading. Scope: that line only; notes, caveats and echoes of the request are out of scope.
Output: 7:00
